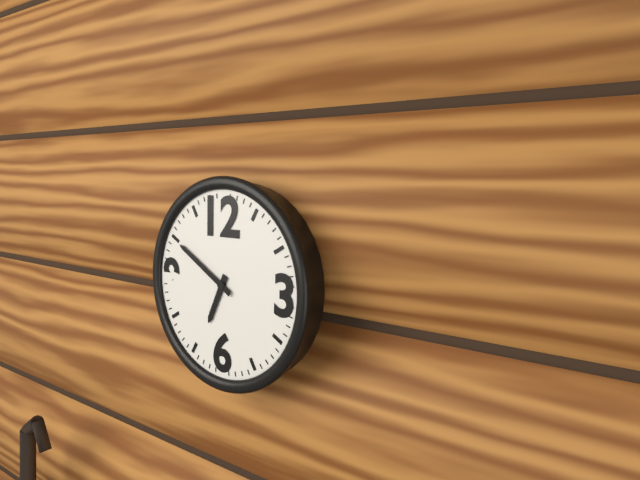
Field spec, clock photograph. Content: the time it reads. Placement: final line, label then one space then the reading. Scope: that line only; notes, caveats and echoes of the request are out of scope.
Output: 6:50
